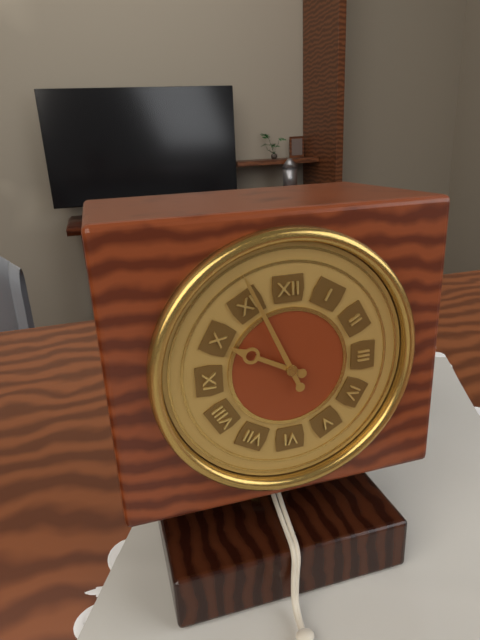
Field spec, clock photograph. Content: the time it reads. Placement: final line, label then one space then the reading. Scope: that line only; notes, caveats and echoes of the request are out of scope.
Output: 9:56
